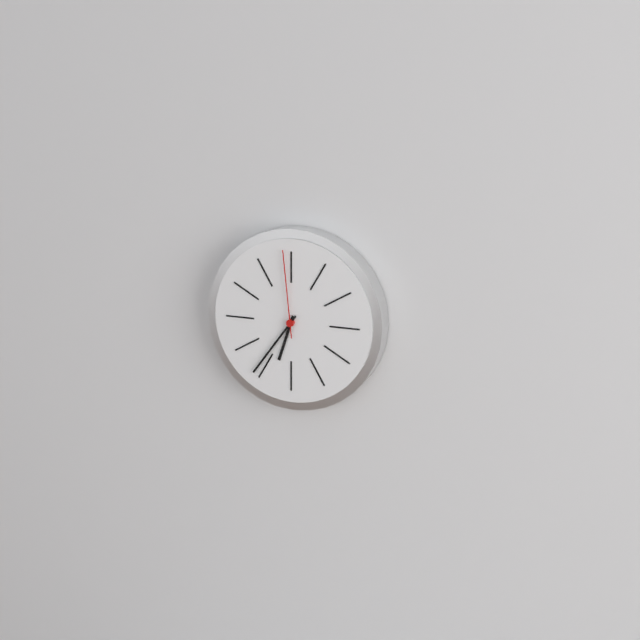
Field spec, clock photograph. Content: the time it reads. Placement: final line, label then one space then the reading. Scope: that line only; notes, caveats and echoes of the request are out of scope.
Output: 6:36:59
